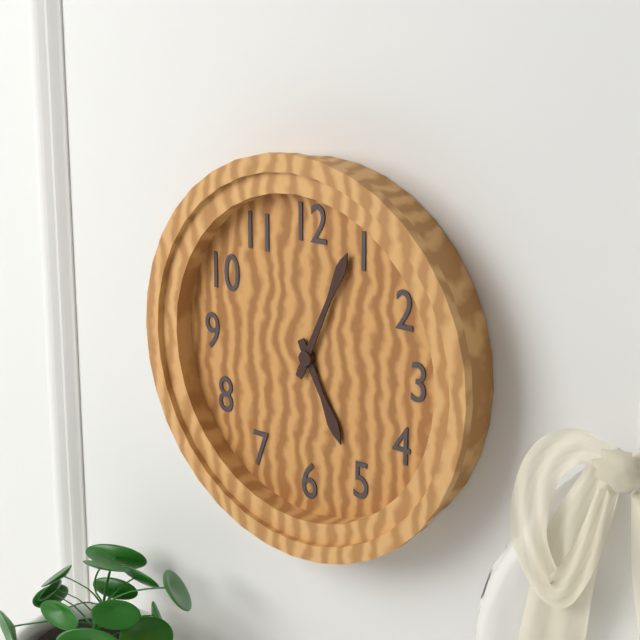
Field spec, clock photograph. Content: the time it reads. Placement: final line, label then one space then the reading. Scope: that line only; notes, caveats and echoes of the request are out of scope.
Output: 5:04
